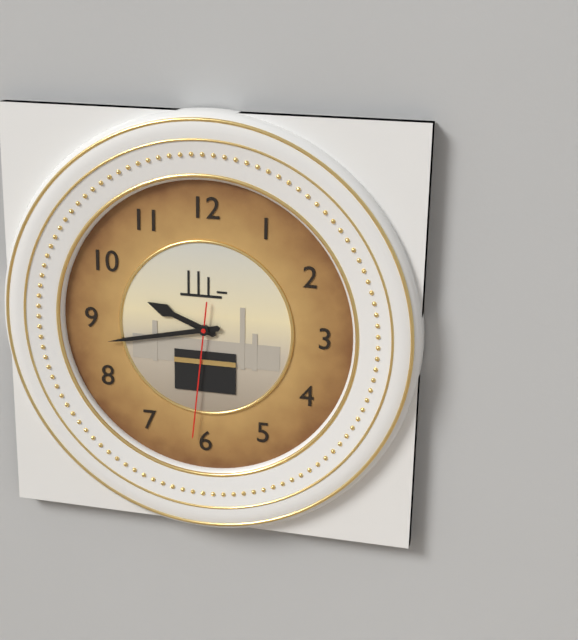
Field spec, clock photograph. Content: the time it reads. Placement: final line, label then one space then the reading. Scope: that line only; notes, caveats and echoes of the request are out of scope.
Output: 9:43:31
